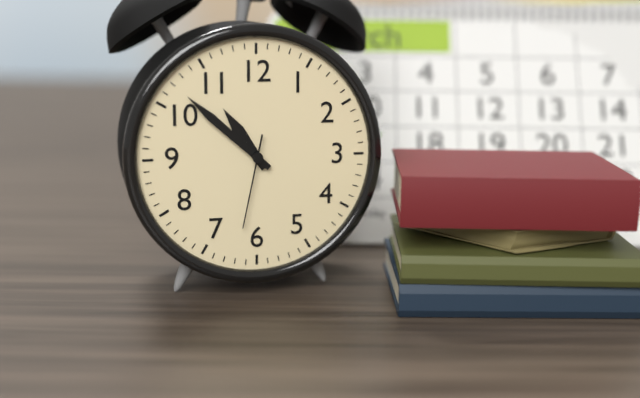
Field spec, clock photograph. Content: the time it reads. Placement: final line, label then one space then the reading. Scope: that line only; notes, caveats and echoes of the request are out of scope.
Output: 10:52:32
